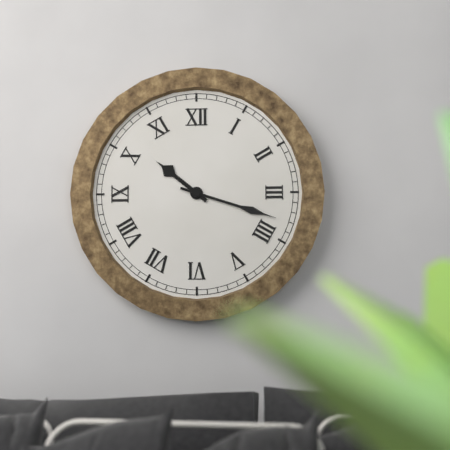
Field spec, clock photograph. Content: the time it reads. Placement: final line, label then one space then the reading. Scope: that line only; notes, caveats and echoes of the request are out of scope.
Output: 10:18
